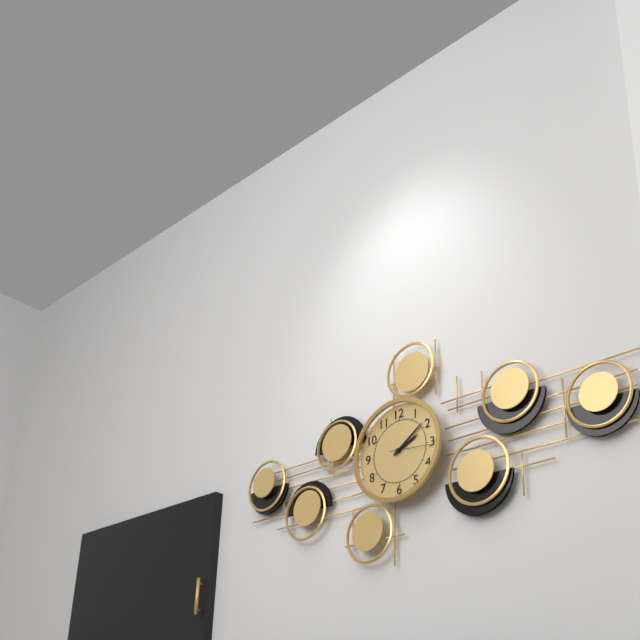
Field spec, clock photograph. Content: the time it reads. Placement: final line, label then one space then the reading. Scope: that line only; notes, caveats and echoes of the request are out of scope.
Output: 2:09
